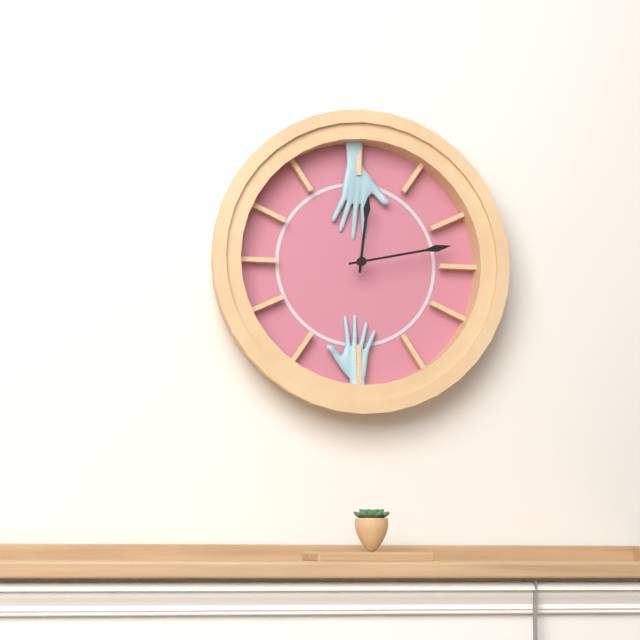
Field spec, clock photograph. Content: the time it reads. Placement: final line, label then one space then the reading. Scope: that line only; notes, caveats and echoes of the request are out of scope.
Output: 12:13
